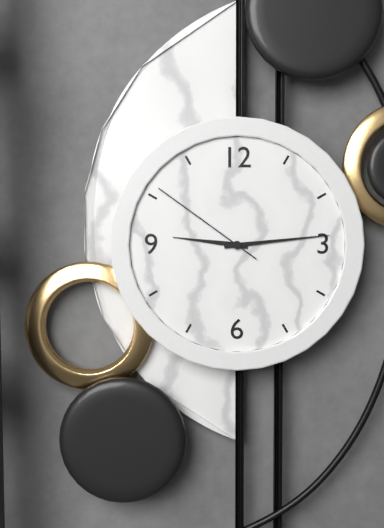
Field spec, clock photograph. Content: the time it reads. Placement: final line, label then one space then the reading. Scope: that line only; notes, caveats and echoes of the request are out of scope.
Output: 9:14:51
